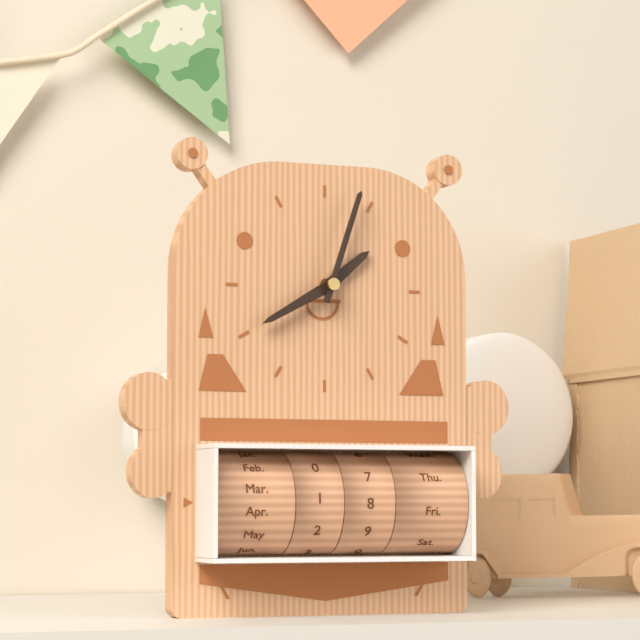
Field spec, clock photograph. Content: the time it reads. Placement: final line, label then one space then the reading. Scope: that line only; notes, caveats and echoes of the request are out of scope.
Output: 1:40:03
